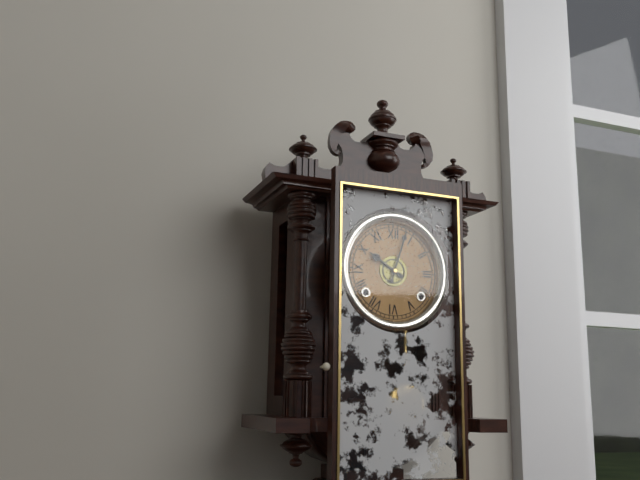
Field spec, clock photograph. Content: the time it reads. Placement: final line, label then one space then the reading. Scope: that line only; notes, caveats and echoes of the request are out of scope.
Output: 10:03
